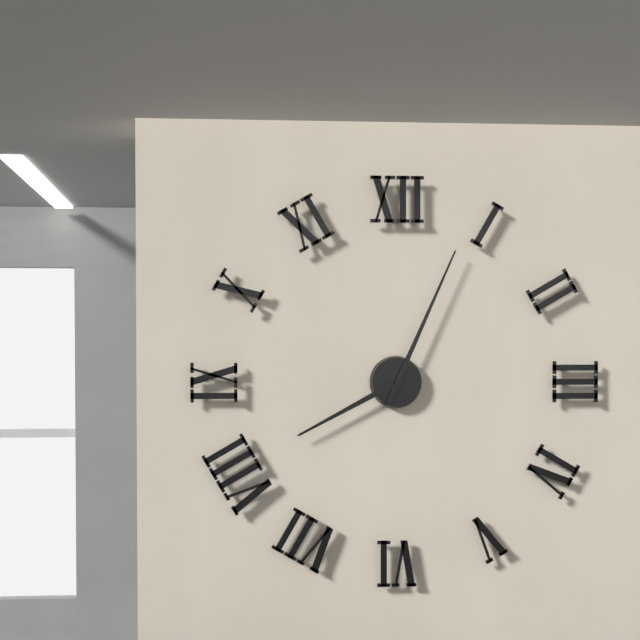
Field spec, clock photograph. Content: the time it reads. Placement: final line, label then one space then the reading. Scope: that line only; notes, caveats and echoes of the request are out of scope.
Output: 8:04
